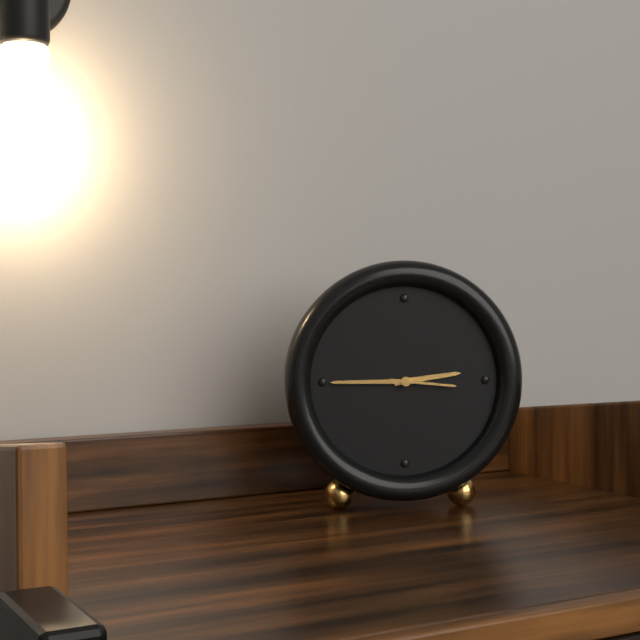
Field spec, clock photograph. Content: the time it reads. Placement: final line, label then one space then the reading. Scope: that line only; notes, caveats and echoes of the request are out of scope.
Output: 2:45:16
